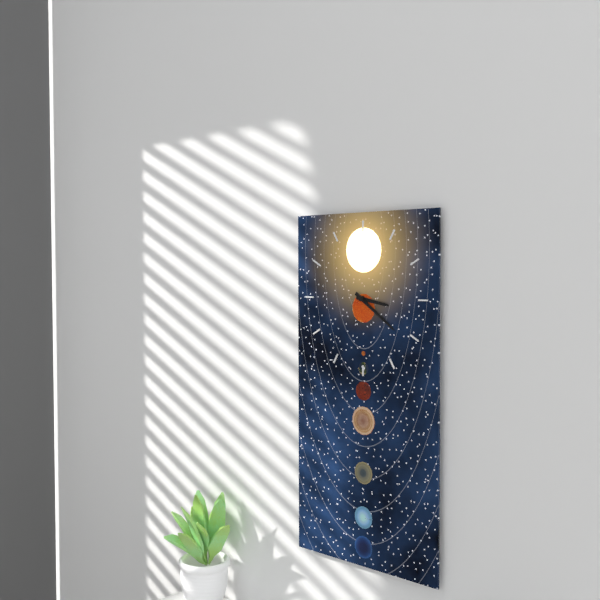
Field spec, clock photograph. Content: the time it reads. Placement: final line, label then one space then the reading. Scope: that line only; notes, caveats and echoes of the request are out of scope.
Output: 3:21
